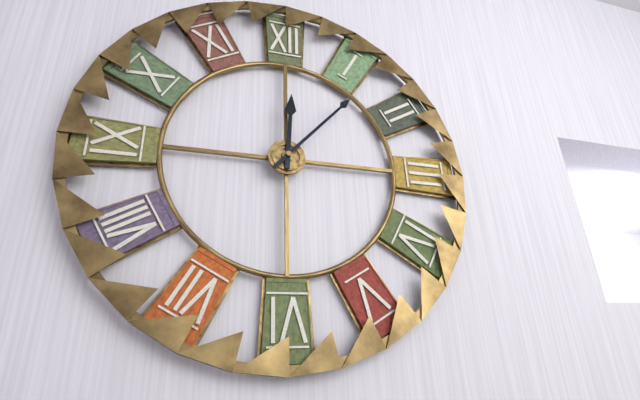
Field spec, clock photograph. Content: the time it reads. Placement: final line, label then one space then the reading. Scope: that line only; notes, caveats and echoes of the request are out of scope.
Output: 12:07
